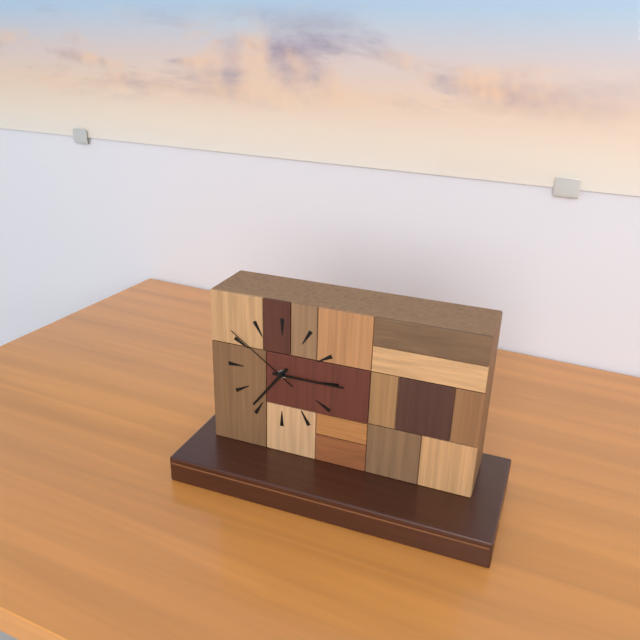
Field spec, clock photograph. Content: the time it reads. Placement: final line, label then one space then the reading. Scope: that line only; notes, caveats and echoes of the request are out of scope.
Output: 7:15:51
